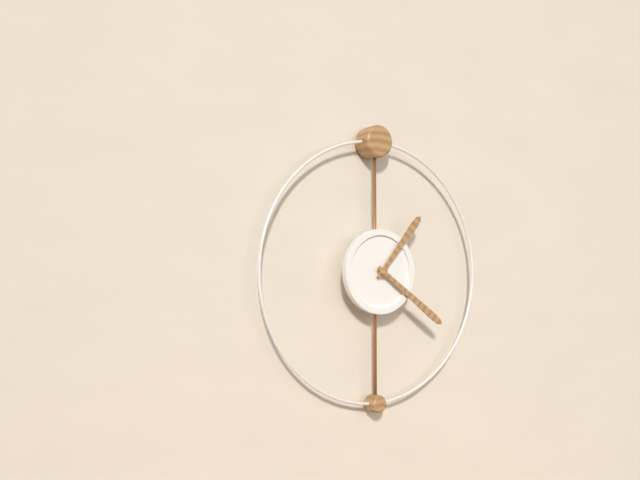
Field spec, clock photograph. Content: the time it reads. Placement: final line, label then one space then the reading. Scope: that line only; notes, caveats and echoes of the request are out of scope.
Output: 1:21
